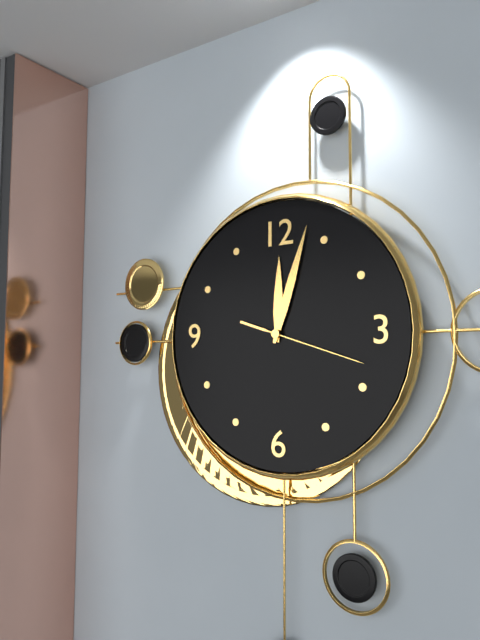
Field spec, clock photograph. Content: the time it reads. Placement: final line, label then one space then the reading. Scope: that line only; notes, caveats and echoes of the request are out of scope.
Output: 12:03:18
